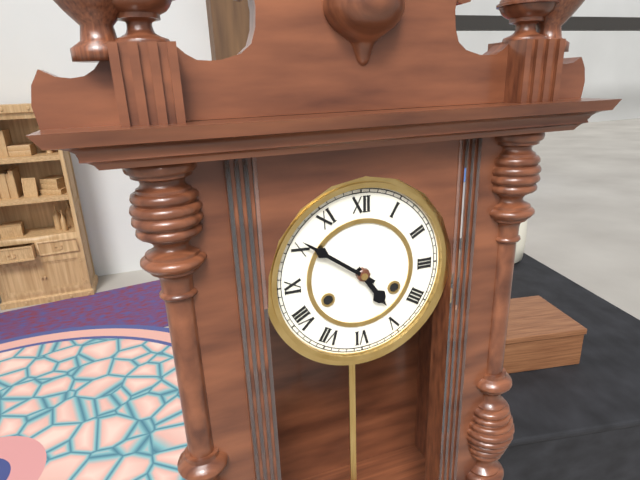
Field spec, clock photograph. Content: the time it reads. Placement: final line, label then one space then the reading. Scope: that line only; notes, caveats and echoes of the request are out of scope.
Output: 4:51
